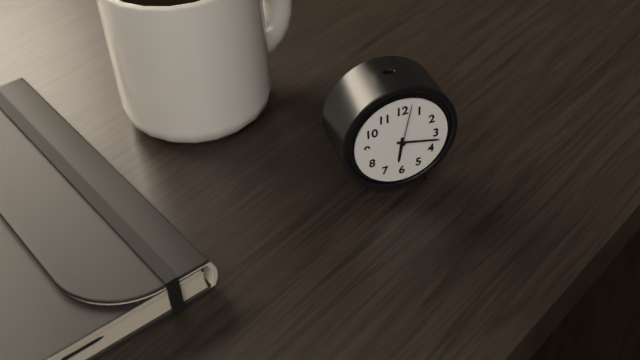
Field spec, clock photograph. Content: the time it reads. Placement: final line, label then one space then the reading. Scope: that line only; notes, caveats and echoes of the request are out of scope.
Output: 6:17:02
